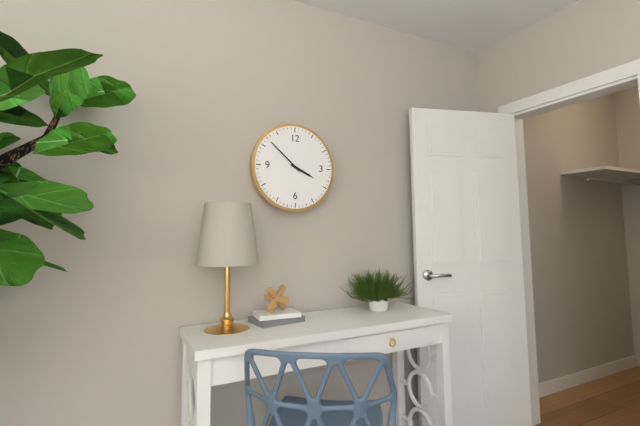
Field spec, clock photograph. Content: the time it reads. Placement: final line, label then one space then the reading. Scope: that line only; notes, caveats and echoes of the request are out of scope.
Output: 3:52
